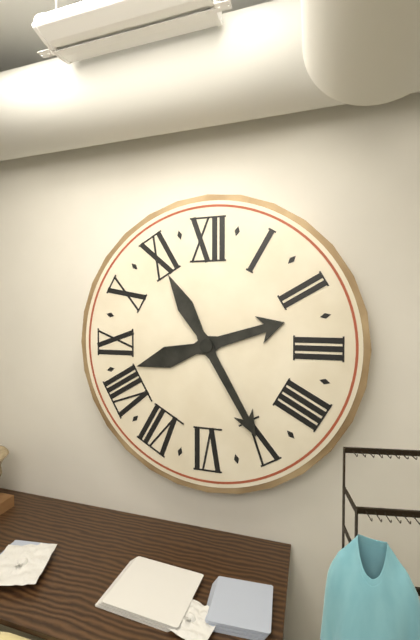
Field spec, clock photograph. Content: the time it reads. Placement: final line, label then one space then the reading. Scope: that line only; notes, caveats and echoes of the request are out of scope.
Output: 2:25
